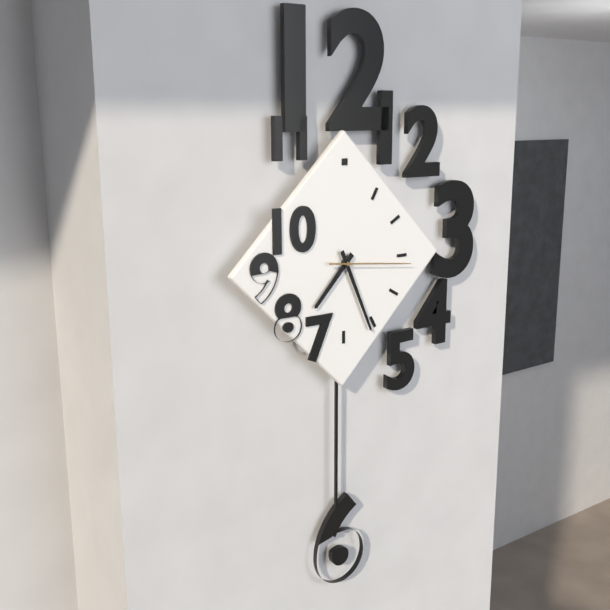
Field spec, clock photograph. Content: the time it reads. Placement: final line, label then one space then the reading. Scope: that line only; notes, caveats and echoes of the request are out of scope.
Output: 7:26:16
